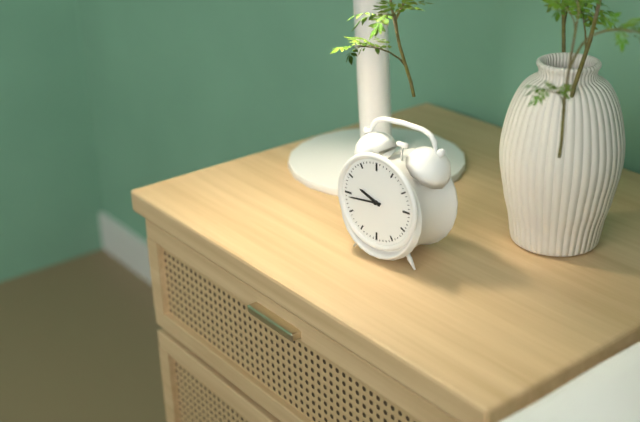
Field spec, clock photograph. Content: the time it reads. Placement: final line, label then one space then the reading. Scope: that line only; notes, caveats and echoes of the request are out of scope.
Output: 9:44
